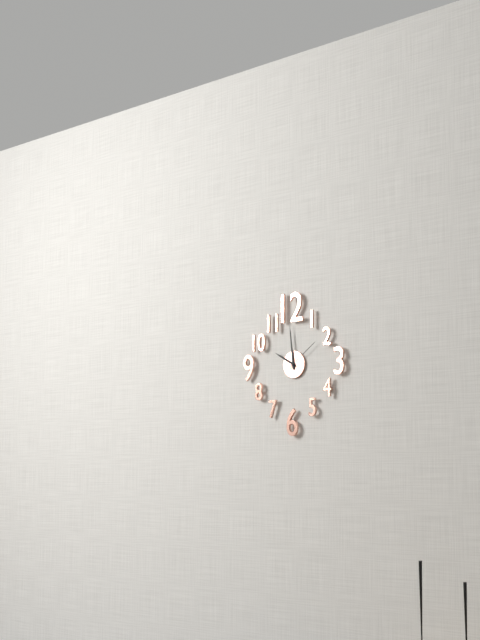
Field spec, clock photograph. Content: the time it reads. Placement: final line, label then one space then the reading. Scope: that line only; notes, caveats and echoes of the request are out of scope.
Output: 9:59
